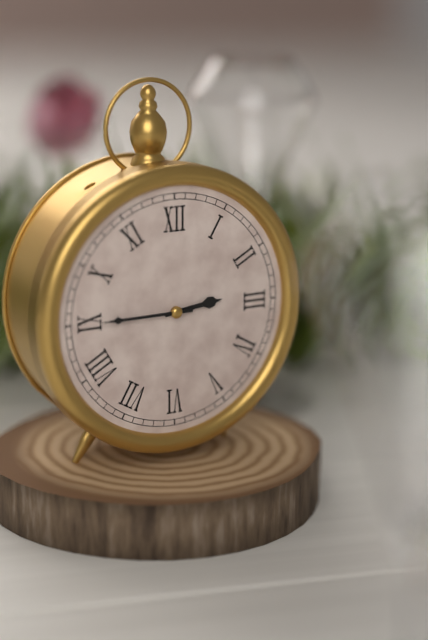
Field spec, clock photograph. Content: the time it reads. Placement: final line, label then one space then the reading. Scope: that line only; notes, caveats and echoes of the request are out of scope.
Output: 2:45
